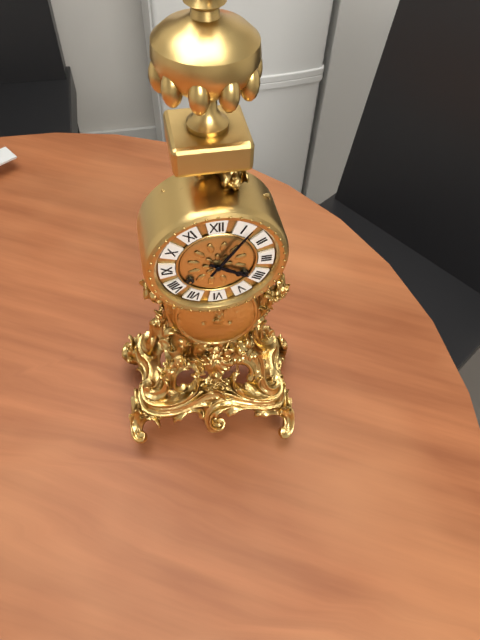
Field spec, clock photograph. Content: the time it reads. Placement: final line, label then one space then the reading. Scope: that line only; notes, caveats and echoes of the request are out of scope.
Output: 4:06
